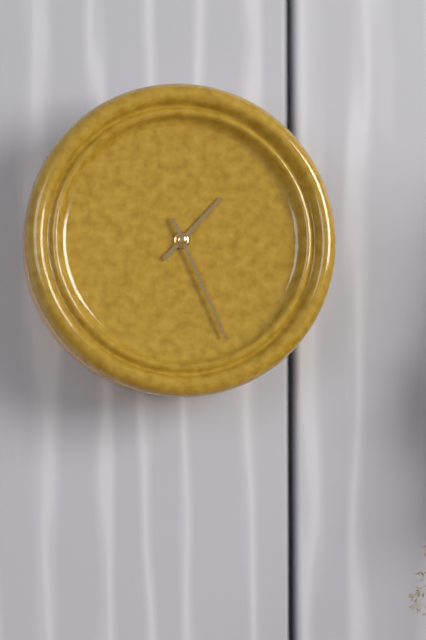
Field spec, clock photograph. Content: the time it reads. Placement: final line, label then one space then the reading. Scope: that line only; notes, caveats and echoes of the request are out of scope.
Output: 1:26
